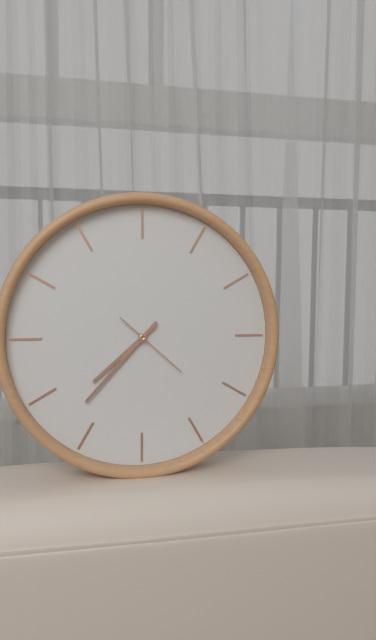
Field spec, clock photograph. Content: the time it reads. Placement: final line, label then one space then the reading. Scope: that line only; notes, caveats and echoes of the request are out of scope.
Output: 7:37:22
